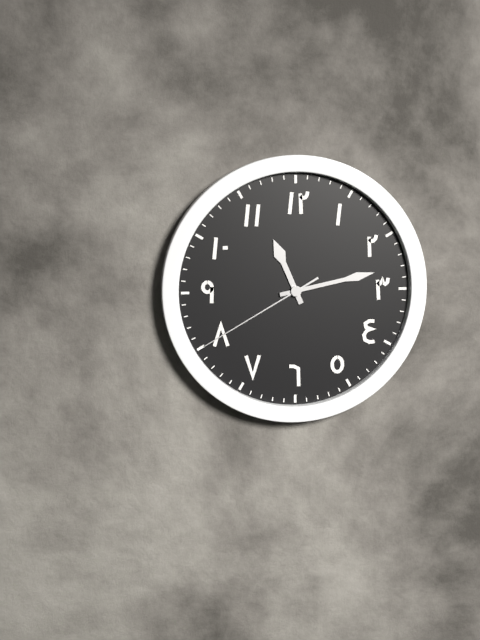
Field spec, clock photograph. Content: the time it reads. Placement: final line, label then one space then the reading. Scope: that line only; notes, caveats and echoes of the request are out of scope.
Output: 11:13:40
